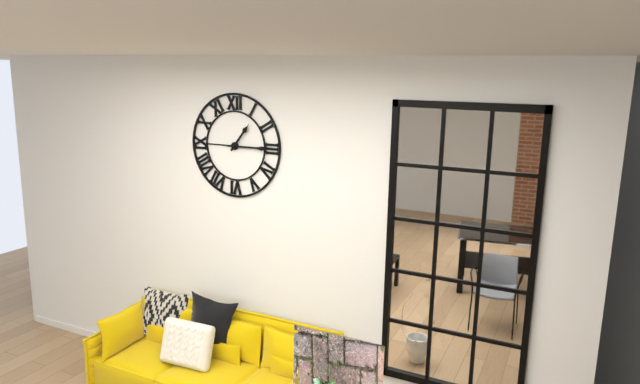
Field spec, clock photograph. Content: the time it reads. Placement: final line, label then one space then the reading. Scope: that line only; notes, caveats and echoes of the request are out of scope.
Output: 1:15
